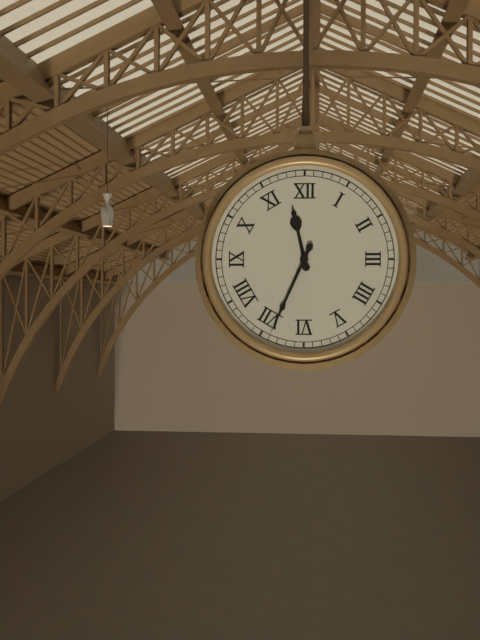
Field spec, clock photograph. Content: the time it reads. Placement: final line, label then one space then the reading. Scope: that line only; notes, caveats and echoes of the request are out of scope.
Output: 11:34
